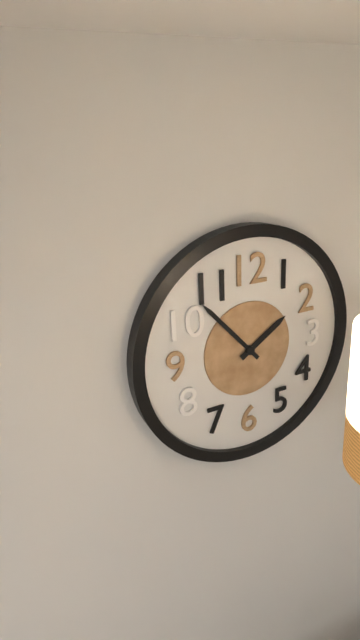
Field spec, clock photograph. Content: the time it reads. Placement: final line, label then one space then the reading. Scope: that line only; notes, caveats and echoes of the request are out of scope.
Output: 1:53
